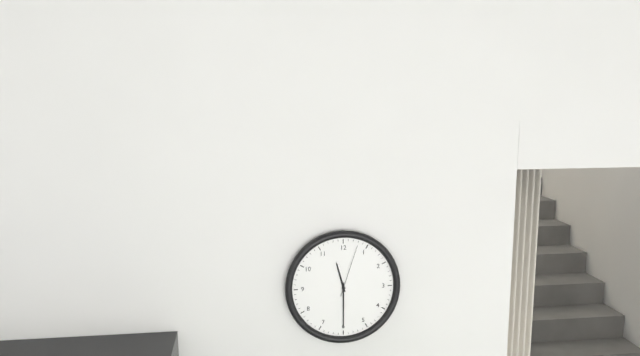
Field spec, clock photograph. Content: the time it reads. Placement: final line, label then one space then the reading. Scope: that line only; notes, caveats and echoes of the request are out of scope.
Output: 11:30:03
